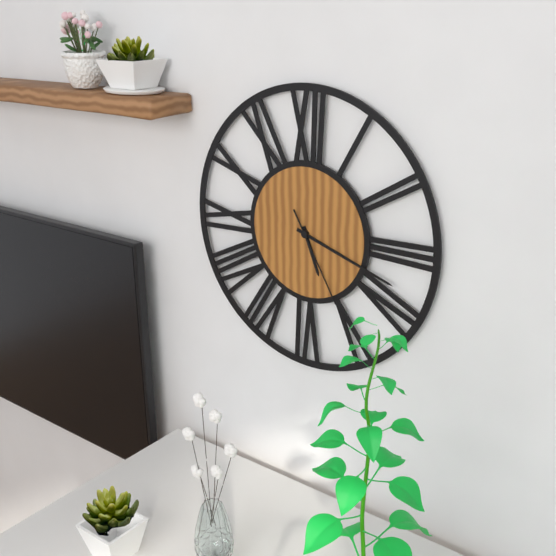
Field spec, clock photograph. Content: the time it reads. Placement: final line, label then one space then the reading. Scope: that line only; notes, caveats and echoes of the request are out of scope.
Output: 5:18:25
